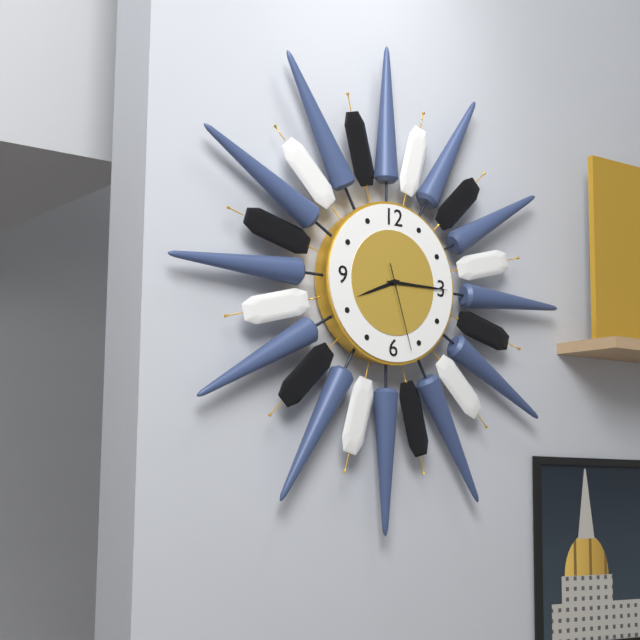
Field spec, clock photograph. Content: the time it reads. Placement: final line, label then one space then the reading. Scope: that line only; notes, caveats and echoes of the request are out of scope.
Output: 8:15:27
